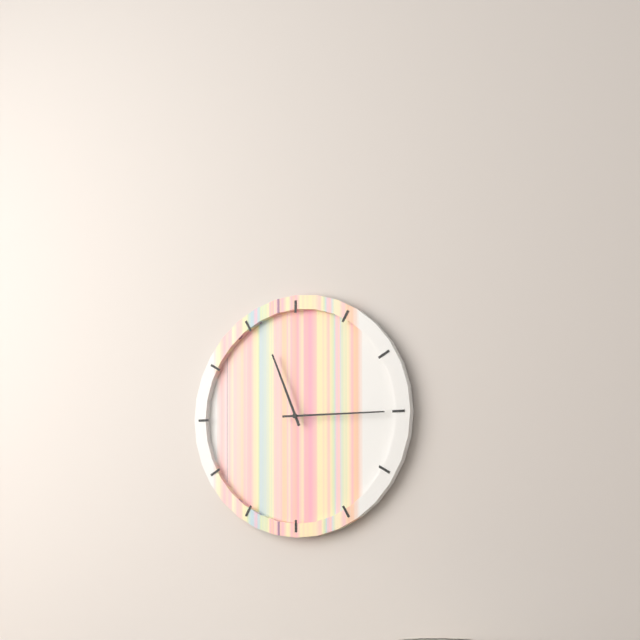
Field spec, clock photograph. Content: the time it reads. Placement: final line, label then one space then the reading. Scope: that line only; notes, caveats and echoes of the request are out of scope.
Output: 11:15
